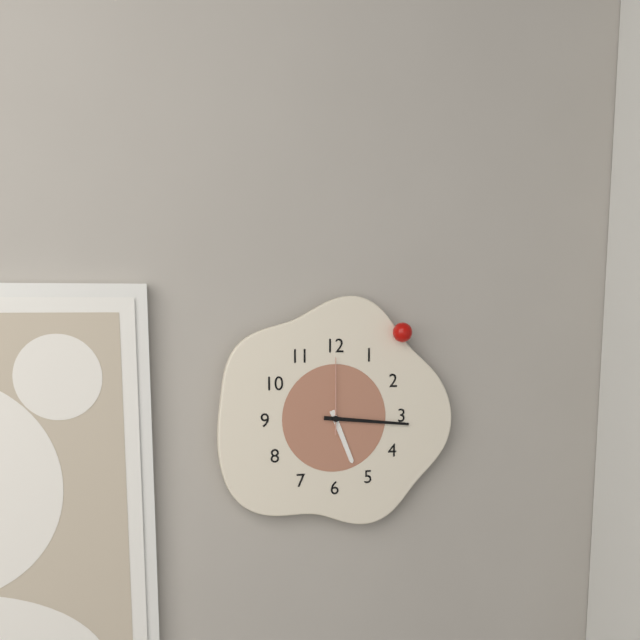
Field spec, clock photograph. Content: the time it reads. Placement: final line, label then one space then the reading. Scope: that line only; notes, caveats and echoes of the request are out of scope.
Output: 5:16:00
